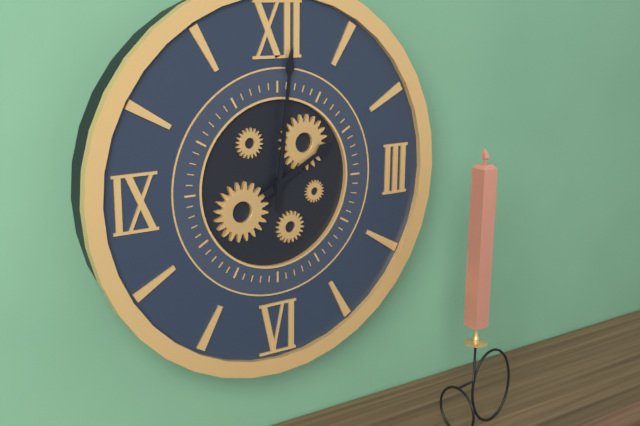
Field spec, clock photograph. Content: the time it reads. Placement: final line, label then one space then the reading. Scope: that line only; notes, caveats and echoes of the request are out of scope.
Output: 2:01
